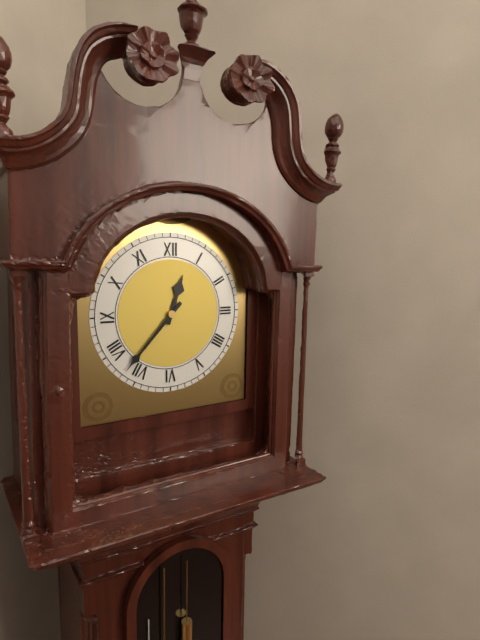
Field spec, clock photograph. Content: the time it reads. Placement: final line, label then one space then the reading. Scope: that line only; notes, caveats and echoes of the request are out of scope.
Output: 12:37
